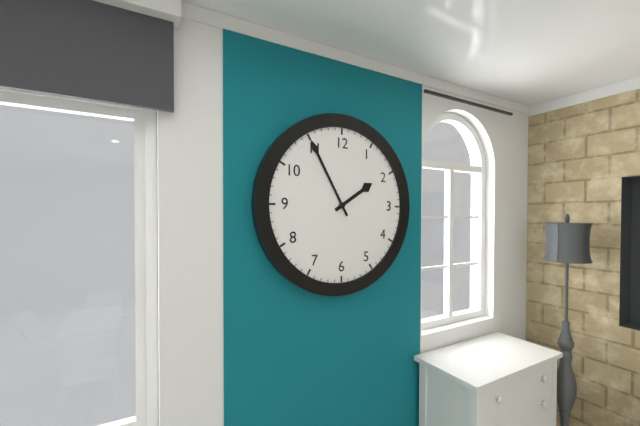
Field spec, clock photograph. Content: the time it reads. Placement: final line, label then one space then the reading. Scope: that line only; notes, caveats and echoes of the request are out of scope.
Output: 1:55
